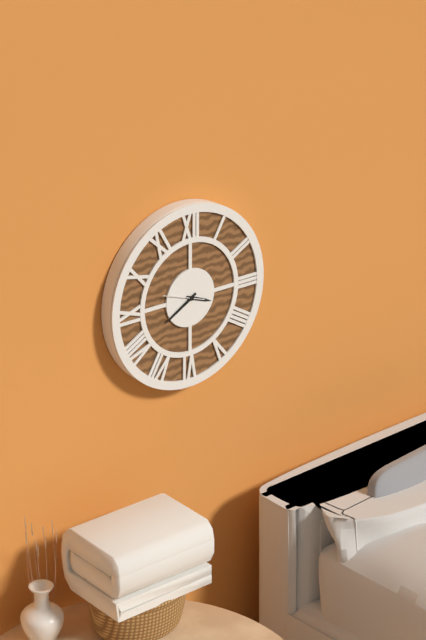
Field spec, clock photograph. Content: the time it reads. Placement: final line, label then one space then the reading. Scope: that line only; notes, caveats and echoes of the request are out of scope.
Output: 3:40
